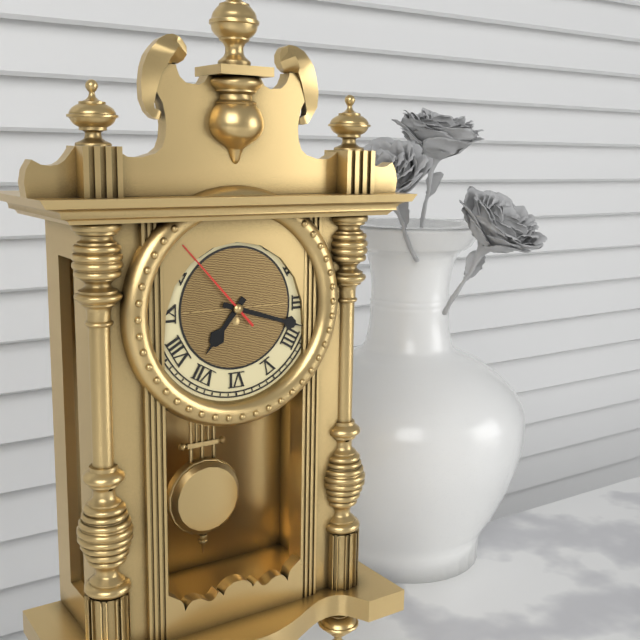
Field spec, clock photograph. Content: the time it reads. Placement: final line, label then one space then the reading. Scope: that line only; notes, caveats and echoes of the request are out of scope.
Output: 7:18:53
